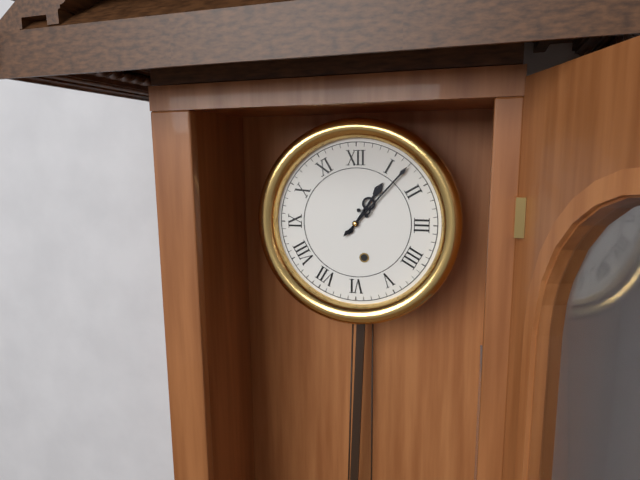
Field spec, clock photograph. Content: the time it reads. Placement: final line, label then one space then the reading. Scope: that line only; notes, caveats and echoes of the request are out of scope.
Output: 1:07
